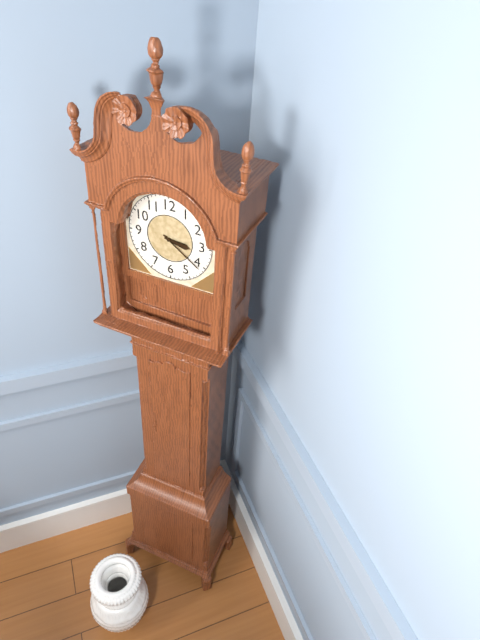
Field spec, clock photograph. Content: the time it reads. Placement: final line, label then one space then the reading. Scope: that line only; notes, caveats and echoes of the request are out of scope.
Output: 3:21
